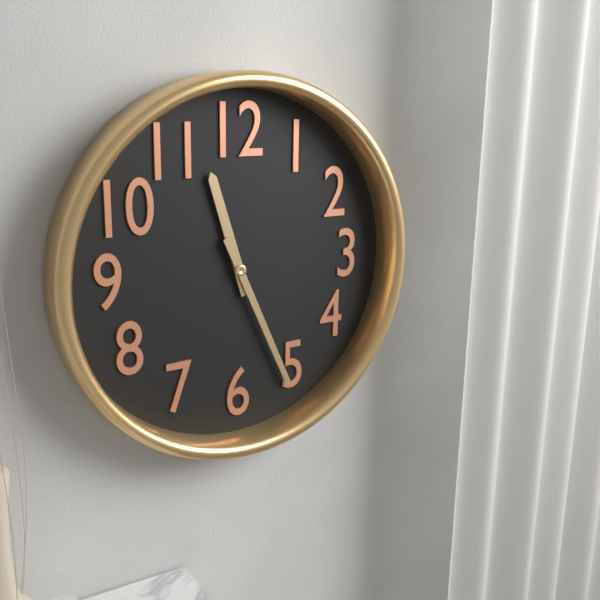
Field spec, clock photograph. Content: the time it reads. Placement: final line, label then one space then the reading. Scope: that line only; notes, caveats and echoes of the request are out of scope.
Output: 11:26
